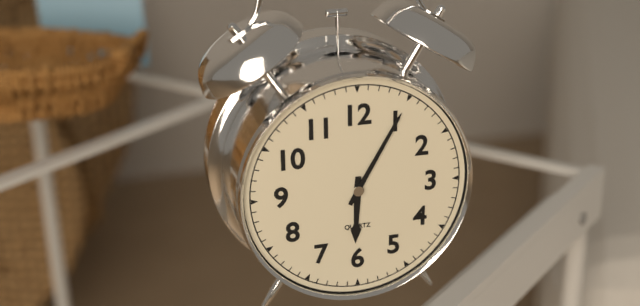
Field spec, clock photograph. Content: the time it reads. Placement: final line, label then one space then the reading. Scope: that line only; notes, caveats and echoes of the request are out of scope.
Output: 6:05
